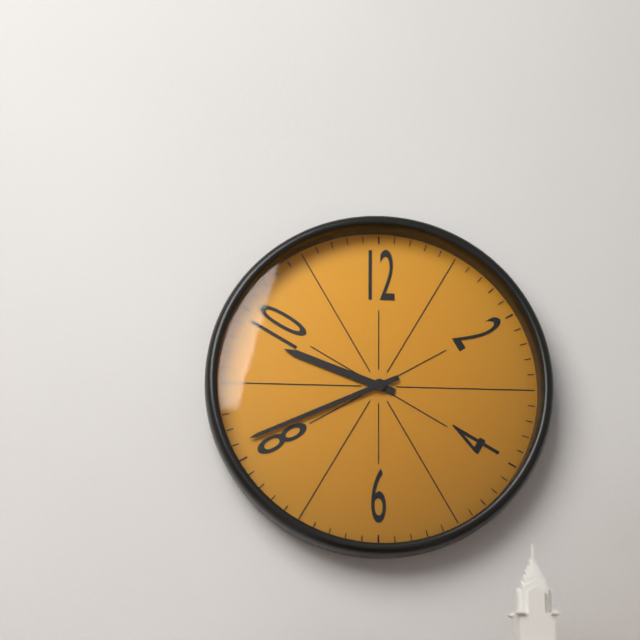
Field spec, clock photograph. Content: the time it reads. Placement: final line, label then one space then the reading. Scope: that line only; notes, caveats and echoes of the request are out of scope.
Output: 9:41
